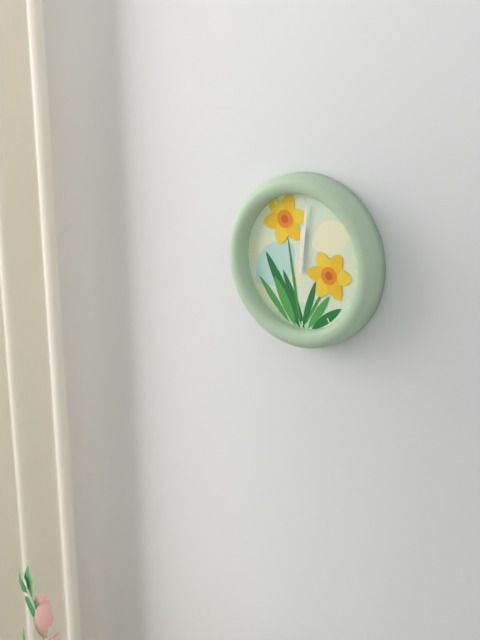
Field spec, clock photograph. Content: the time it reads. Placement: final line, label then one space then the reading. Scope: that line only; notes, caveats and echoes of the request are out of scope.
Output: 12:01
